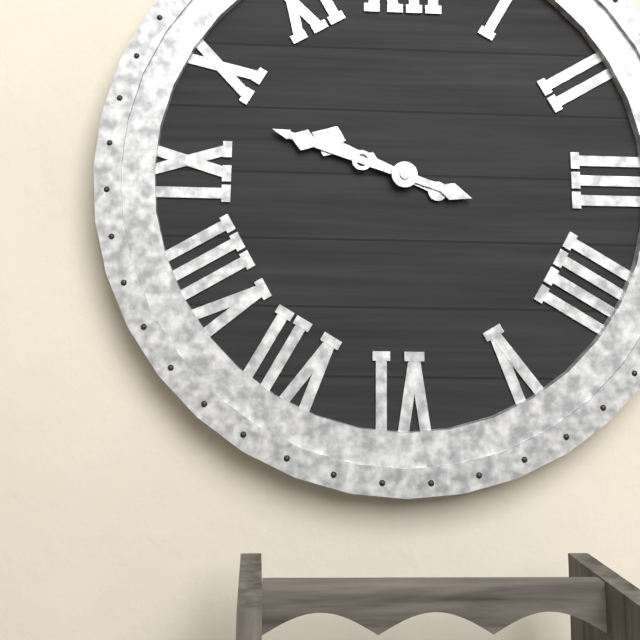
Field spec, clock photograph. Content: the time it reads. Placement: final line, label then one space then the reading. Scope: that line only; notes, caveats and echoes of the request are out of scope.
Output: 9:48
